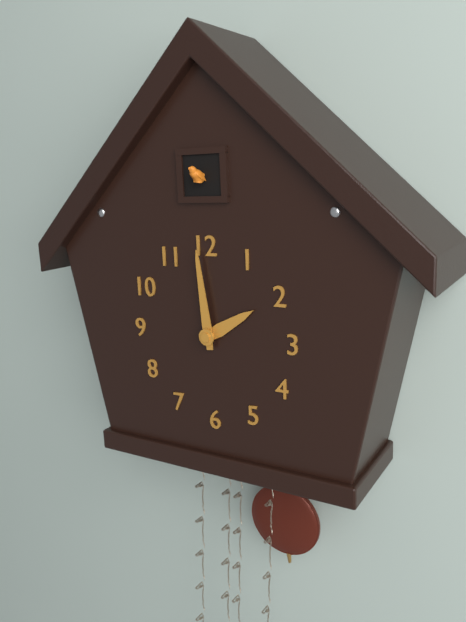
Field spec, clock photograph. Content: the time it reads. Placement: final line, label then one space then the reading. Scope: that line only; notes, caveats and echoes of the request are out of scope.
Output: 1:59
